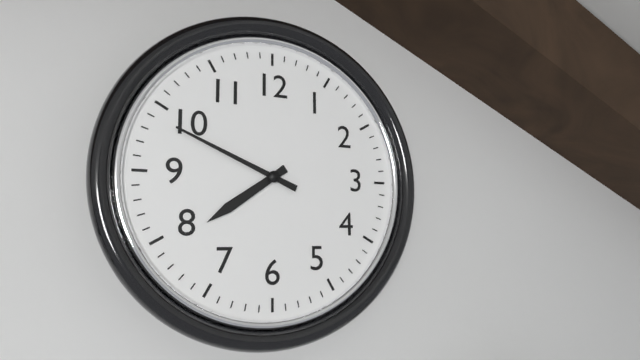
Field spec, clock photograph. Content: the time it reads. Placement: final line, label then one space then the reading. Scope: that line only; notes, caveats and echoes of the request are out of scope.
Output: 7:49
